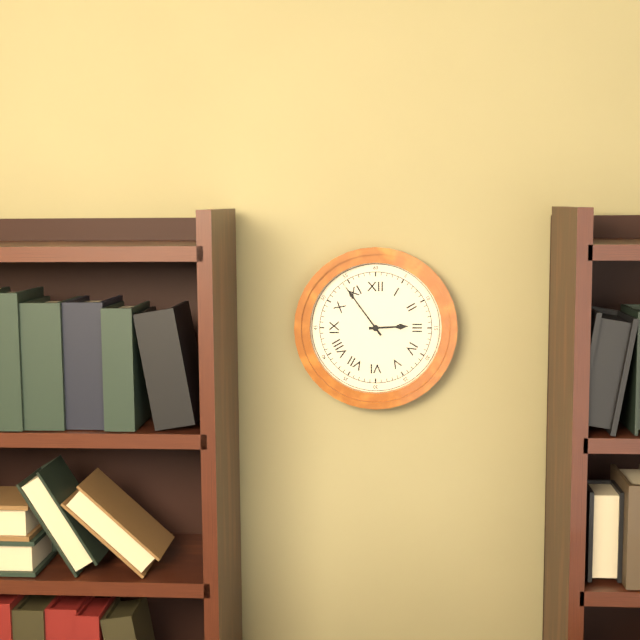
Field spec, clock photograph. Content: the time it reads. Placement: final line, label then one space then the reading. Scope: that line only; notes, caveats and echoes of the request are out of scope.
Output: 2:54
